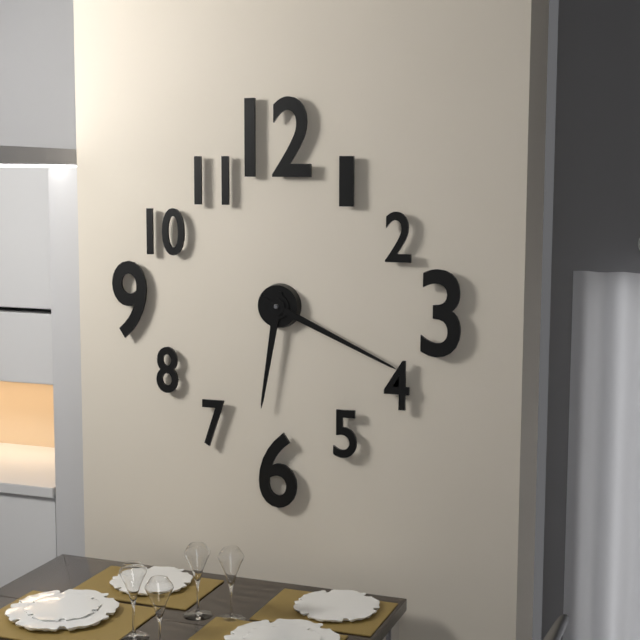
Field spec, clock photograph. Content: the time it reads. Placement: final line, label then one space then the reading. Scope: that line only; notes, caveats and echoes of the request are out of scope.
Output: 6:19
